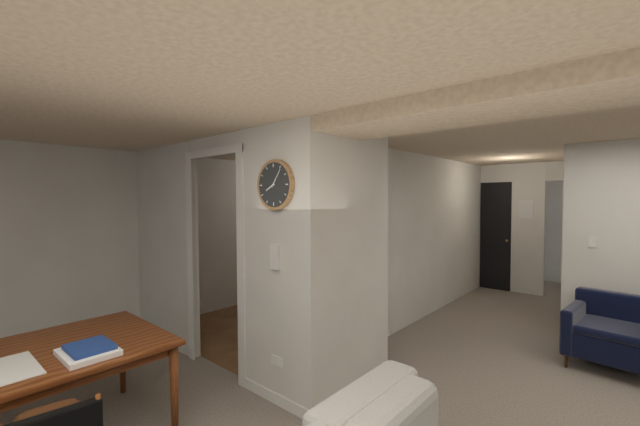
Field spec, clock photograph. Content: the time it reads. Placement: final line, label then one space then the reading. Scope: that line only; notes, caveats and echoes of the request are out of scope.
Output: 8:06
